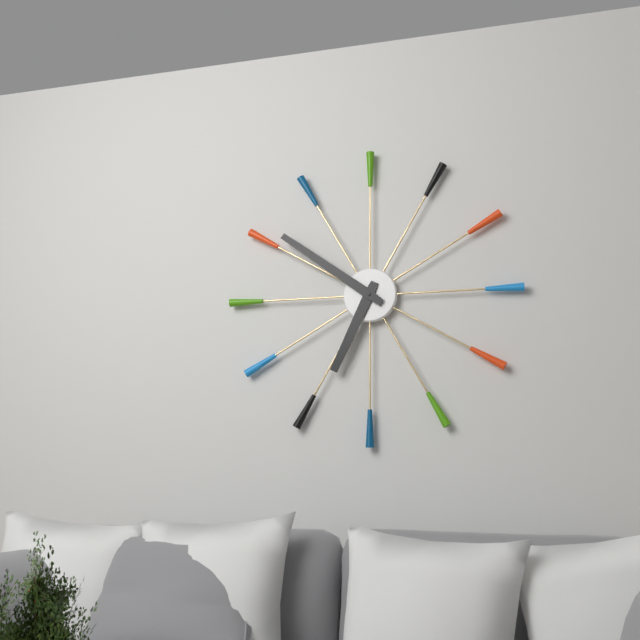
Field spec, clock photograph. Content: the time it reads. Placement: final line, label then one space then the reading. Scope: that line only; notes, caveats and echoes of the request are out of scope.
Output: 6:51
